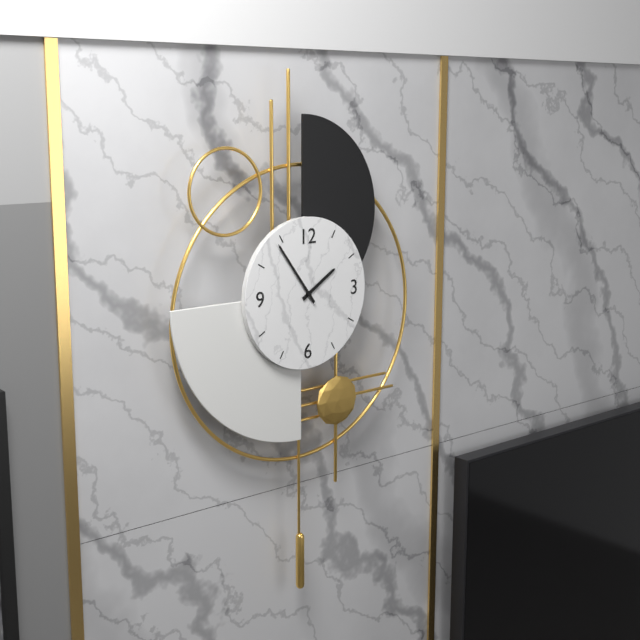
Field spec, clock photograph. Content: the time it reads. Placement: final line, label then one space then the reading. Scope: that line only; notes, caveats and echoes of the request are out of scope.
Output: 1:54
